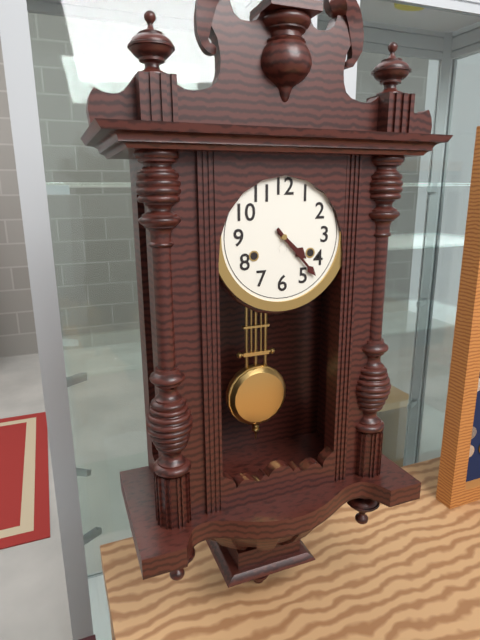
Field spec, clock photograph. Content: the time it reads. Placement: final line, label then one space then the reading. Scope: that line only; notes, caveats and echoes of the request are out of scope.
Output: 4:23
